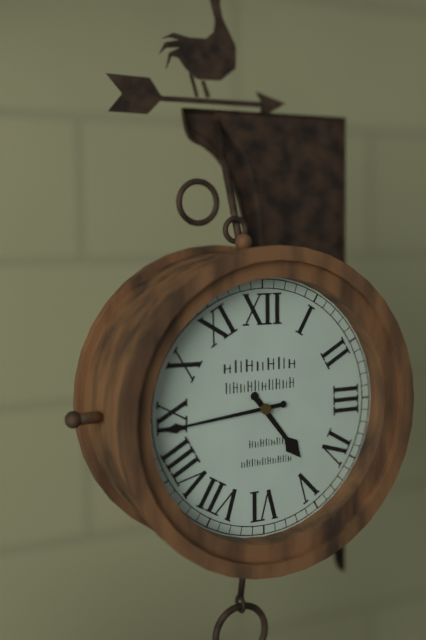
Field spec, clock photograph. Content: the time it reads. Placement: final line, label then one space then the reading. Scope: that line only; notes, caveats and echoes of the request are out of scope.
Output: 4:44
